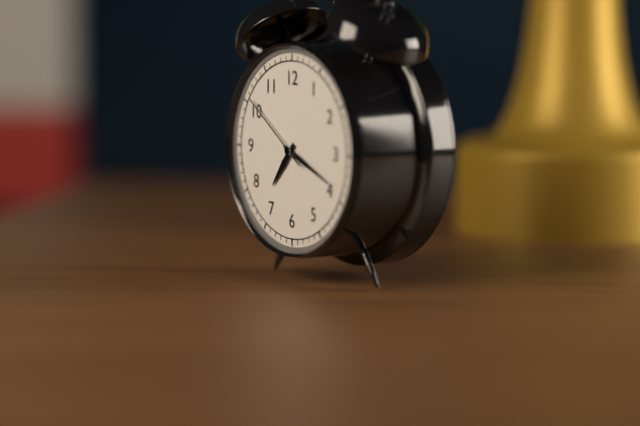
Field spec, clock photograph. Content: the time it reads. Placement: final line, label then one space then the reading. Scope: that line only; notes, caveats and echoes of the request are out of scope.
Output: 7:19:51
